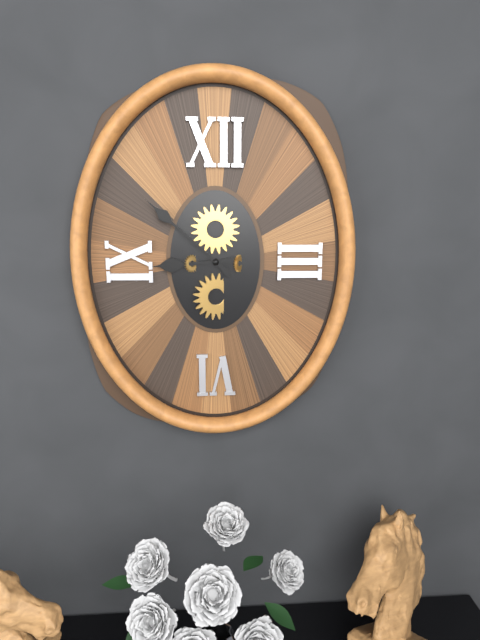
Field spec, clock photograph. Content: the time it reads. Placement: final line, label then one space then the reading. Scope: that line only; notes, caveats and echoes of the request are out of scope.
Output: 8:52
